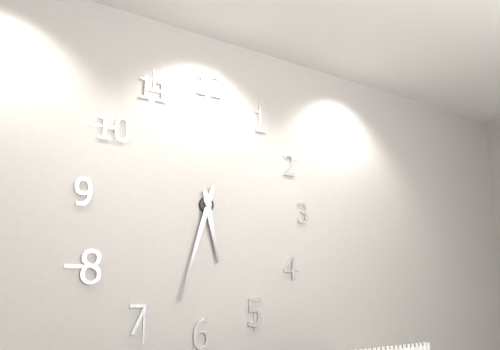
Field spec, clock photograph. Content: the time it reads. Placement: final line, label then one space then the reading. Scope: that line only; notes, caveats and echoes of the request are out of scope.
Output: 5:33
